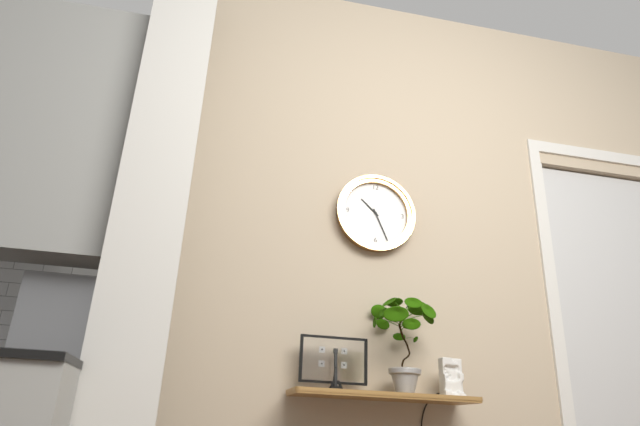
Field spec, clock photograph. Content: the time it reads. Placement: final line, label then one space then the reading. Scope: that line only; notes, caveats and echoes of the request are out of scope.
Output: 10:26
